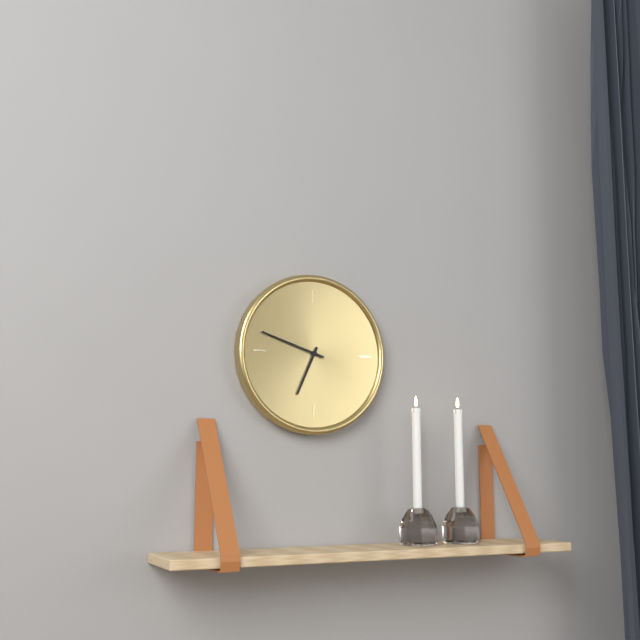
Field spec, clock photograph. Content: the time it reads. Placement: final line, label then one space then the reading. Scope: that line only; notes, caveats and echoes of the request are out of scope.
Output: 6:48
